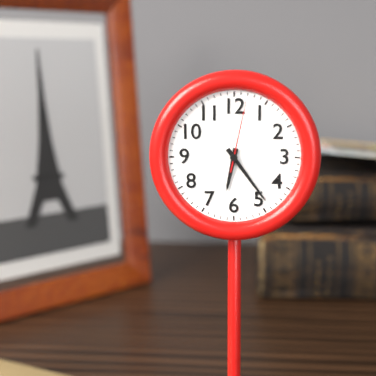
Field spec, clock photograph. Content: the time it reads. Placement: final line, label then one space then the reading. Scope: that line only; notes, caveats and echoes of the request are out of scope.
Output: 6:24:02
